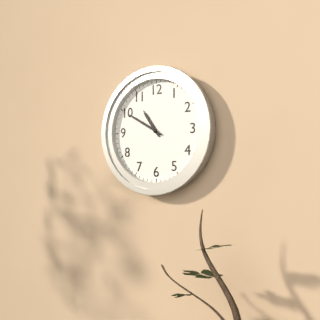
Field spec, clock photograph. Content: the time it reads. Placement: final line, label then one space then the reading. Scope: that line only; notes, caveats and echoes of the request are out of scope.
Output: 10:50
